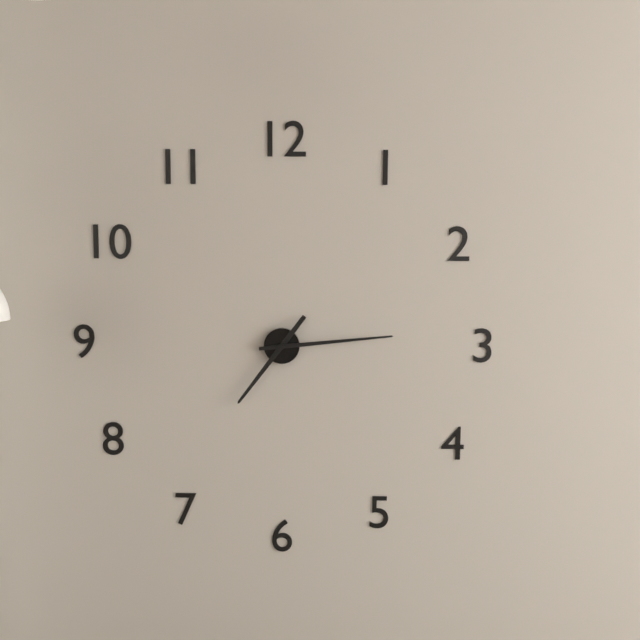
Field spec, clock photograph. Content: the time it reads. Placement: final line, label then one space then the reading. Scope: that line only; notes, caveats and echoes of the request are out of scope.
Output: 7:14
